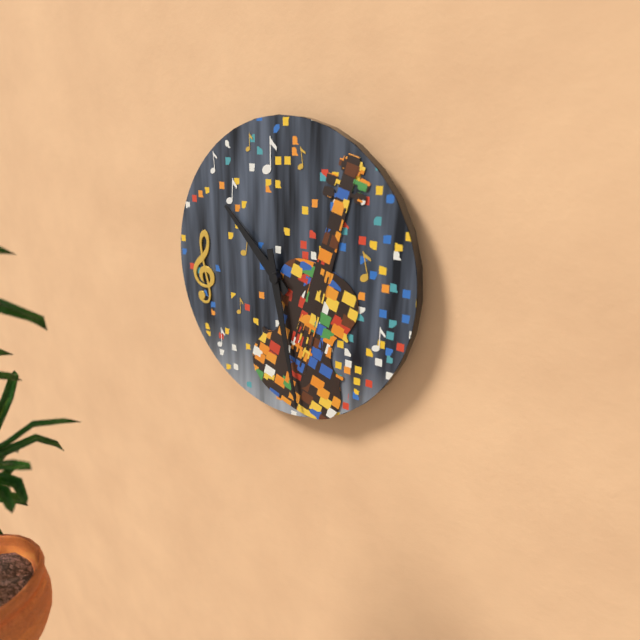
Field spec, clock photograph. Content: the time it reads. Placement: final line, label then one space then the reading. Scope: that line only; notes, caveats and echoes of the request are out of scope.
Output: 10:28
